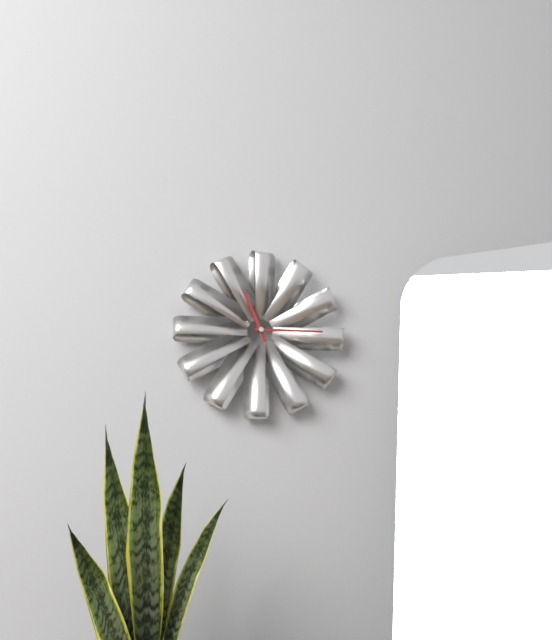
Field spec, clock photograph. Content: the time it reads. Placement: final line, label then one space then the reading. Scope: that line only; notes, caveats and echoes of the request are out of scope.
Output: 11:15
